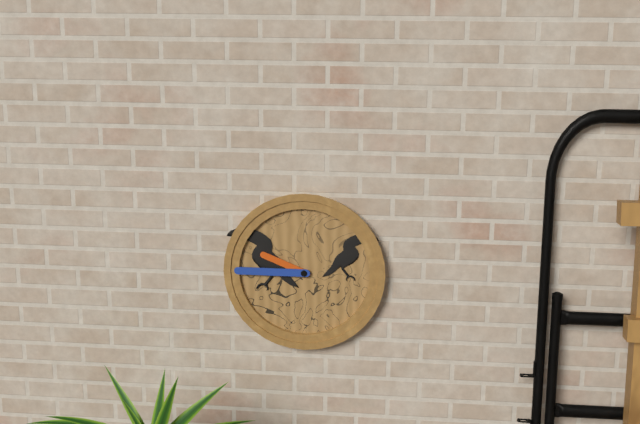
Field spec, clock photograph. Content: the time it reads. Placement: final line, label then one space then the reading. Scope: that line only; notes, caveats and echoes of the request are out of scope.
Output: 9:45
